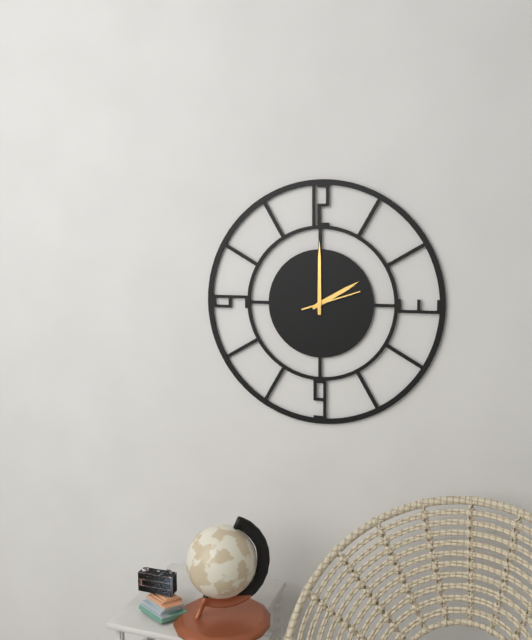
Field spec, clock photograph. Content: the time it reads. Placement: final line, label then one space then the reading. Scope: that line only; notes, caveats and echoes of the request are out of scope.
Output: 2:00:12
